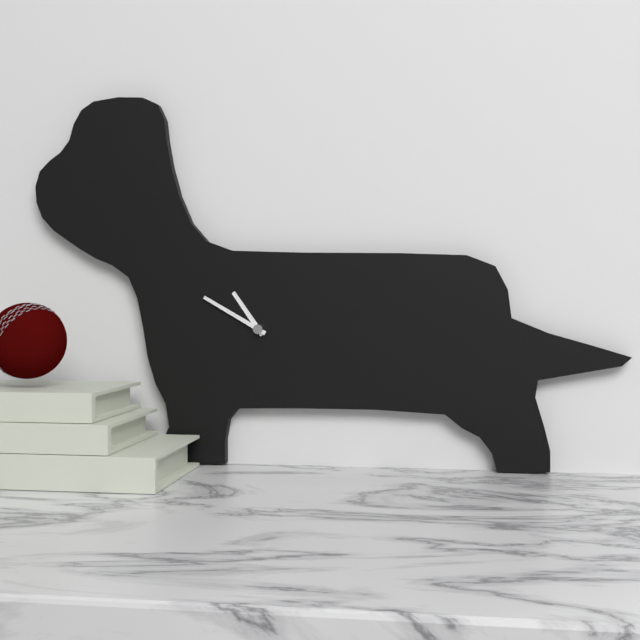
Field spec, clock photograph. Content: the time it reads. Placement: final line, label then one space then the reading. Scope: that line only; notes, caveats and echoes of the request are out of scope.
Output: 10:50
